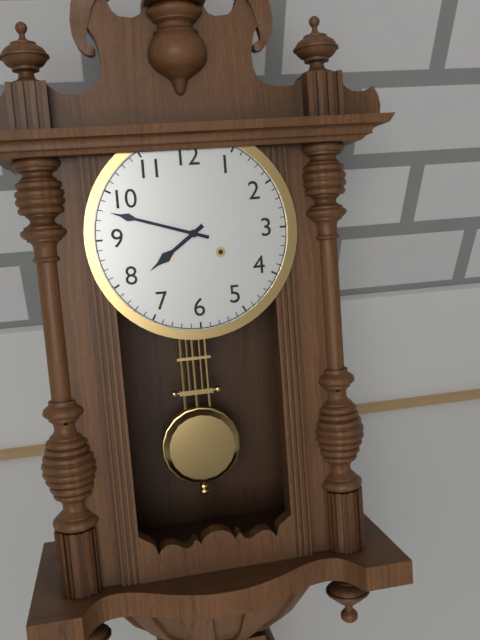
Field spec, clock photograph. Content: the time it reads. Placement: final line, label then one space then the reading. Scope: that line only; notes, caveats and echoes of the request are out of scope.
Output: 7:48
